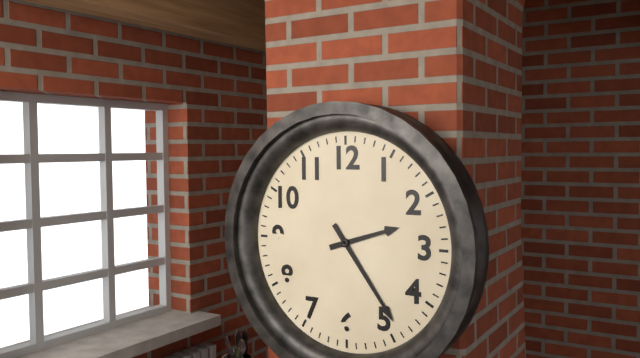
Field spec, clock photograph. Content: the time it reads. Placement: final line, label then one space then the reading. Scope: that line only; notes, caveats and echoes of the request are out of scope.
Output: 2:24
